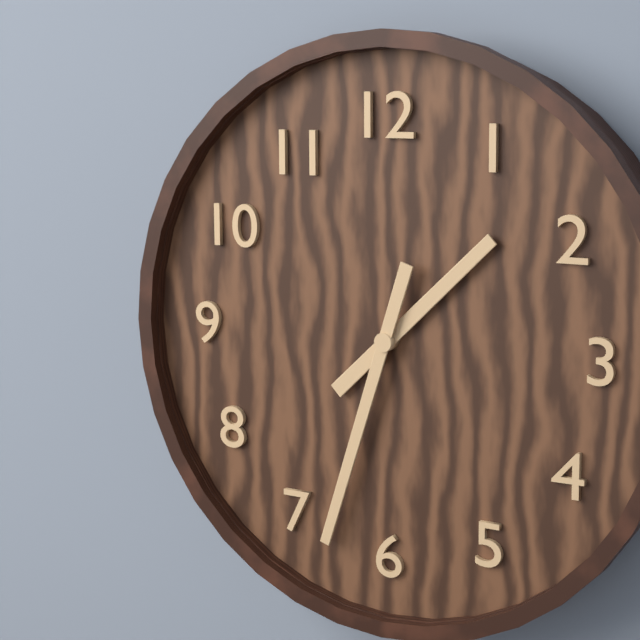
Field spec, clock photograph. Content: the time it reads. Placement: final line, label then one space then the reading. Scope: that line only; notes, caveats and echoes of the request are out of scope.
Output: 1:33
